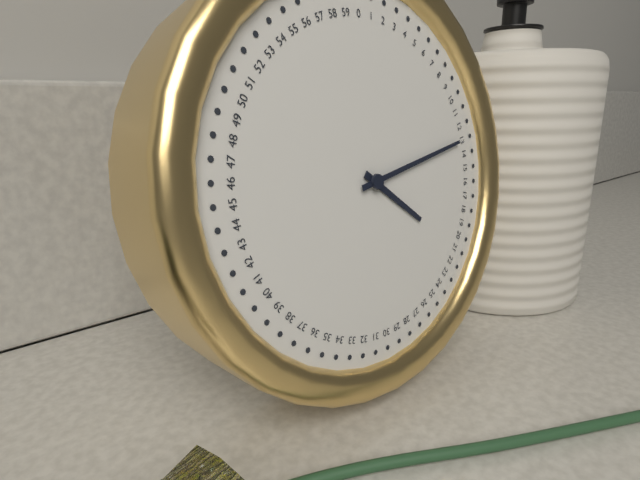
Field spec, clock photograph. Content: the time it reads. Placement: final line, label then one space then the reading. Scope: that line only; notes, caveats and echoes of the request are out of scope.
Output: 4:13
